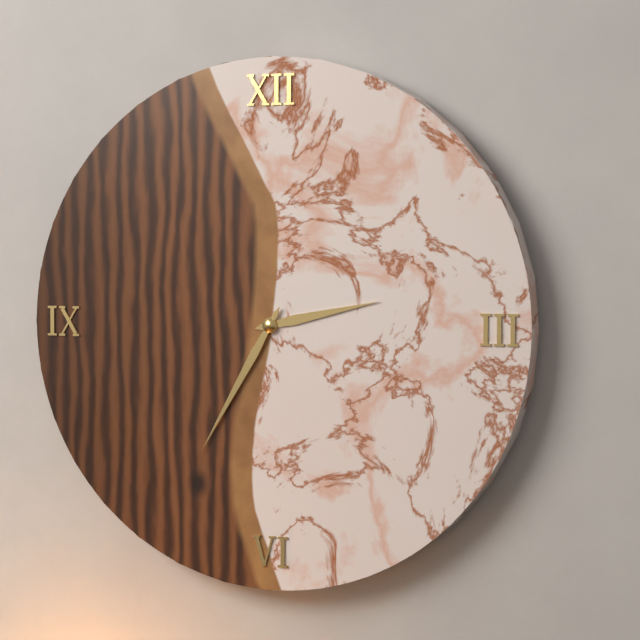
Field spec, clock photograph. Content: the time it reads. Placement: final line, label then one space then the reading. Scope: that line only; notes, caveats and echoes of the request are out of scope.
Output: 2:35
